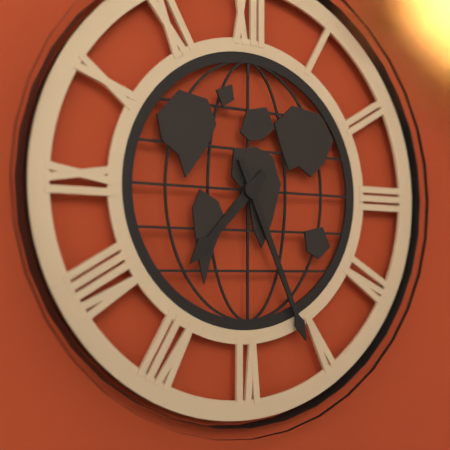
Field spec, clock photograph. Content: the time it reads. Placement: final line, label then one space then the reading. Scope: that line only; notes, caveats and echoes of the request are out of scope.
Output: 7:26
